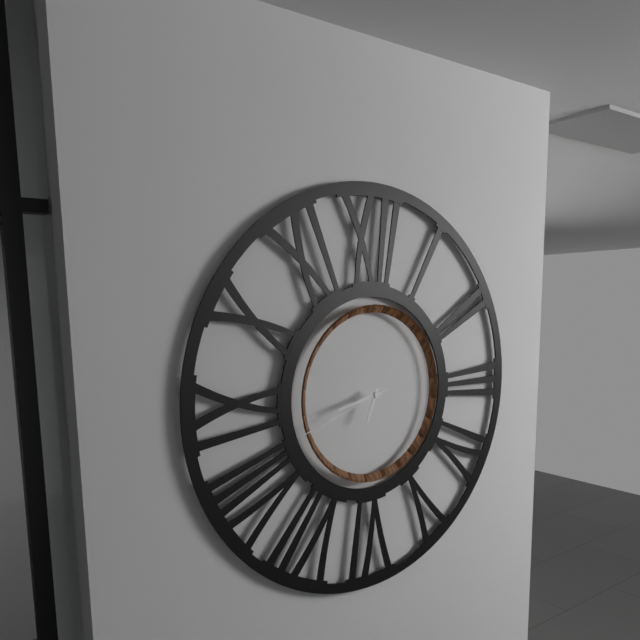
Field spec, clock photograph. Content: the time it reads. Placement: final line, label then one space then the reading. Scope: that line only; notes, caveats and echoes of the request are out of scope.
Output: 6:43:42
